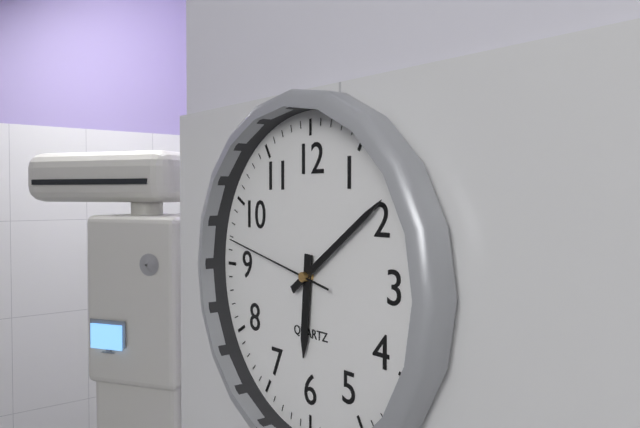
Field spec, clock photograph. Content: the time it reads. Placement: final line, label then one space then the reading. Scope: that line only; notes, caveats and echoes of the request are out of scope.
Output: 6:09:47
